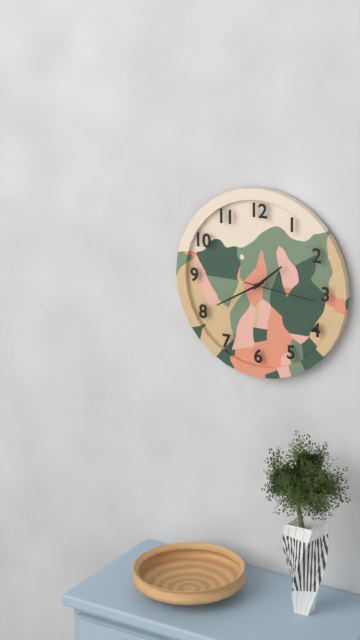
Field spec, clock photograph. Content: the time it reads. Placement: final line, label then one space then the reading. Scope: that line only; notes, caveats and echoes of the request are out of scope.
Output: 1:40:16
